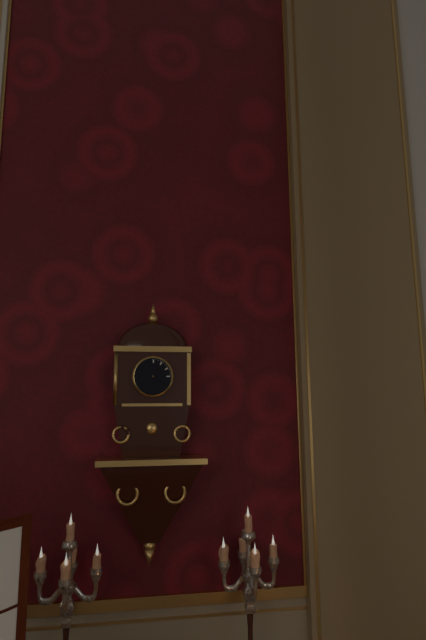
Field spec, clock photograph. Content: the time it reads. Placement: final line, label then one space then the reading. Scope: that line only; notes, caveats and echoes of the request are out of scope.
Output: 1:20
